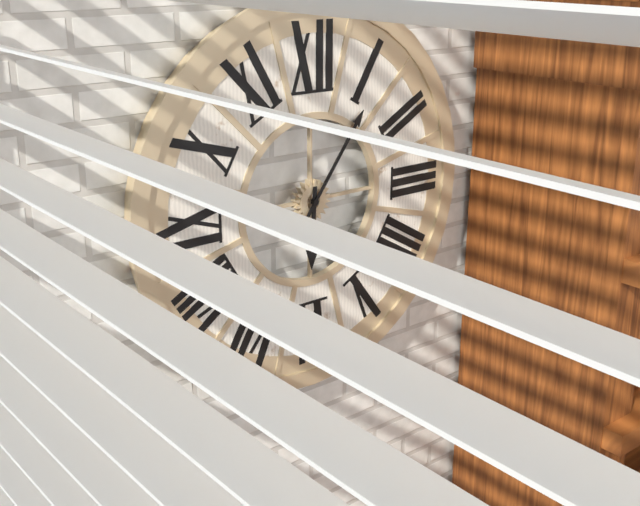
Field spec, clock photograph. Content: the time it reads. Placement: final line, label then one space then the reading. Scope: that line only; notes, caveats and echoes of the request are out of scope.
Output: 6:06
